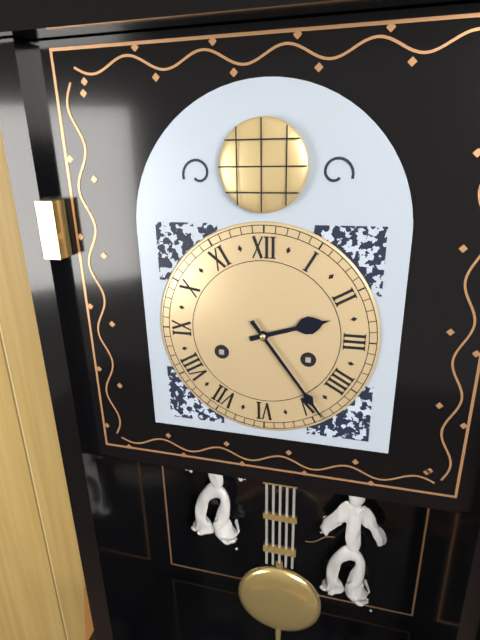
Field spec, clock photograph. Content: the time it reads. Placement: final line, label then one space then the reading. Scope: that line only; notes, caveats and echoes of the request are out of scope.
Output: 2:24
